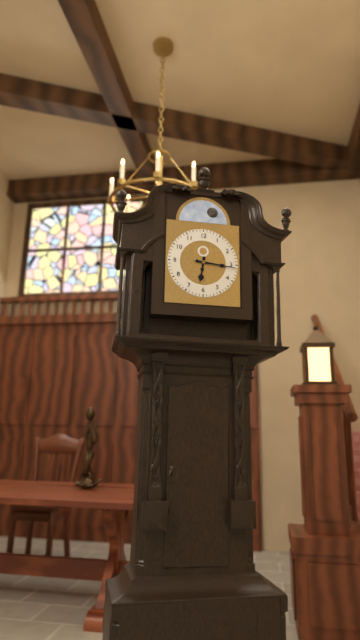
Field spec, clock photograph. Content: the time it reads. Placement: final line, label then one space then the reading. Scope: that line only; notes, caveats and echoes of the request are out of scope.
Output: 6:16
